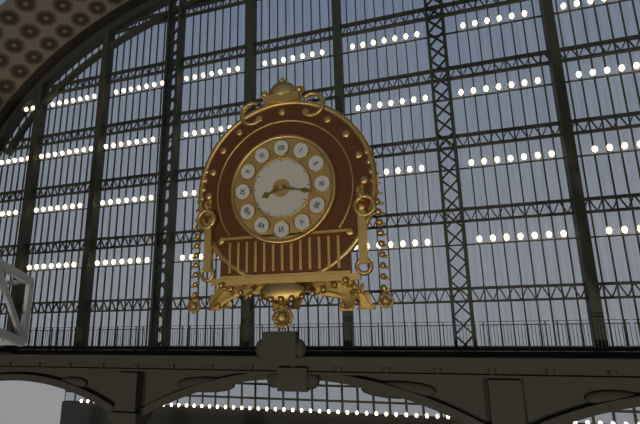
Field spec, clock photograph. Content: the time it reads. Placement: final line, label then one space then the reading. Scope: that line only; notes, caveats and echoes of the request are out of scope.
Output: 8:17
